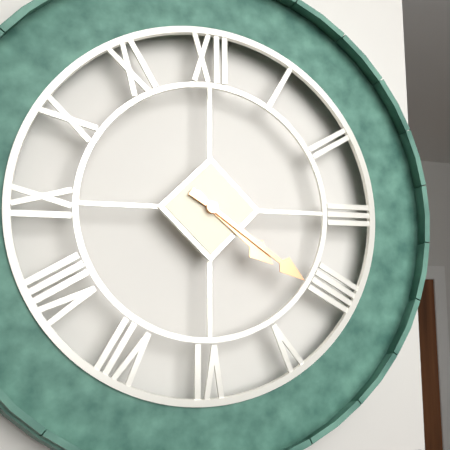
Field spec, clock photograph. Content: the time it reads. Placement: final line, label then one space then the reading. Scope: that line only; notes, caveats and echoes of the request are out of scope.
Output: 4:21
